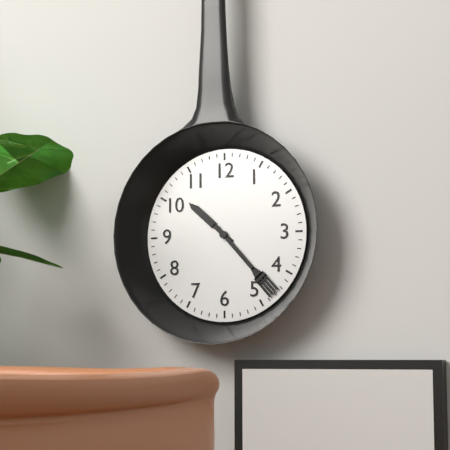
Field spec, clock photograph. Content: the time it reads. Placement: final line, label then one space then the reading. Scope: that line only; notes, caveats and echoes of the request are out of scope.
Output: 10:23
